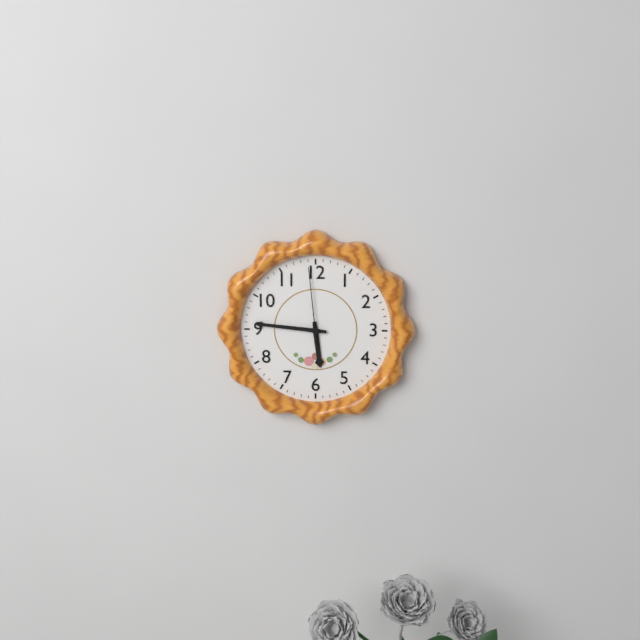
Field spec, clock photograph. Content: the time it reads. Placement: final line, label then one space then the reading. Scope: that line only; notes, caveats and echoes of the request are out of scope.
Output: 5:46:59
